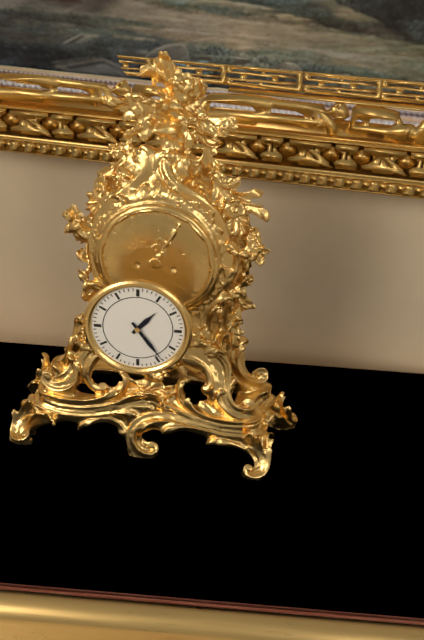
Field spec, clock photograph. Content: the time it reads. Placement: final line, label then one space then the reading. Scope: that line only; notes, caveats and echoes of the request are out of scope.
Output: 1:24
